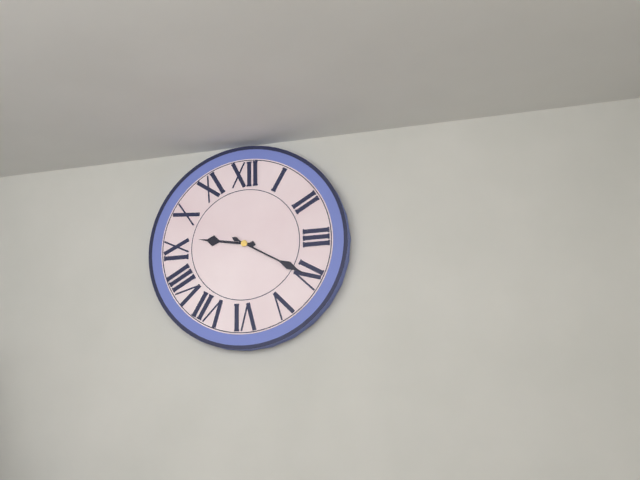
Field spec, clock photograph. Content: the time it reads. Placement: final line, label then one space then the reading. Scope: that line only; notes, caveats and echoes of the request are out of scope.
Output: 9:20
